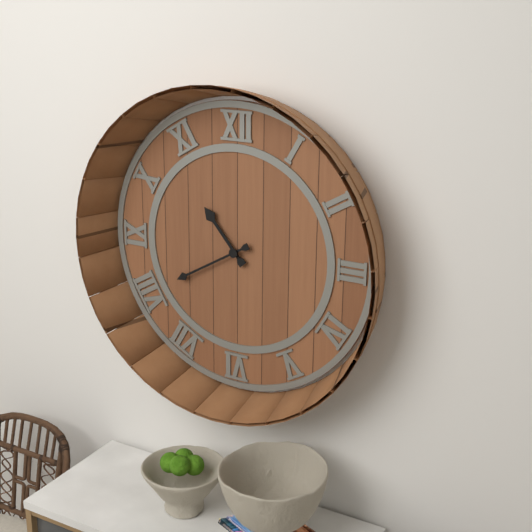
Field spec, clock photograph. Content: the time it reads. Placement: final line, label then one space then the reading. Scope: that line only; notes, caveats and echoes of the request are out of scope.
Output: 10:40
